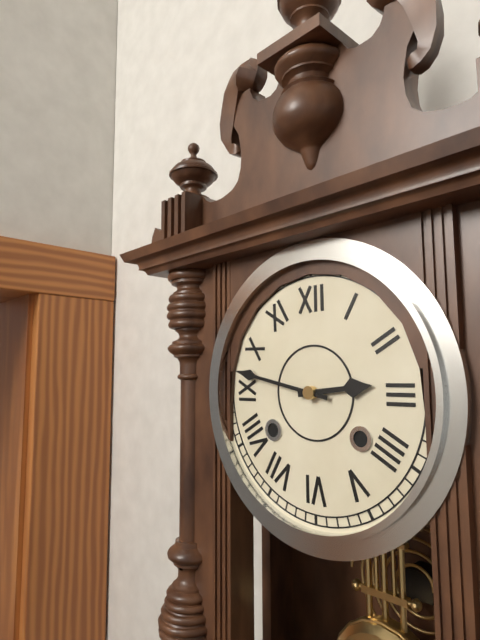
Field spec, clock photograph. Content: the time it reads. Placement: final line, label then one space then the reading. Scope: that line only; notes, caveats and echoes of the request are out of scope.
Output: 2:47
